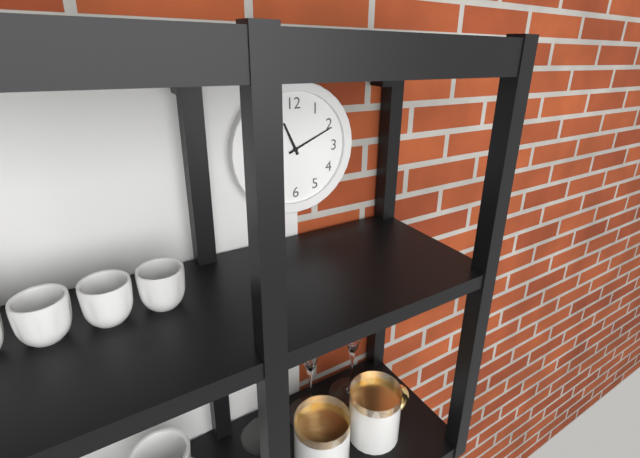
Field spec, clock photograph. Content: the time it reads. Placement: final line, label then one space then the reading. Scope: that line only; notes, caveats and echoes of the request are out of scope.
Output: 11:11
